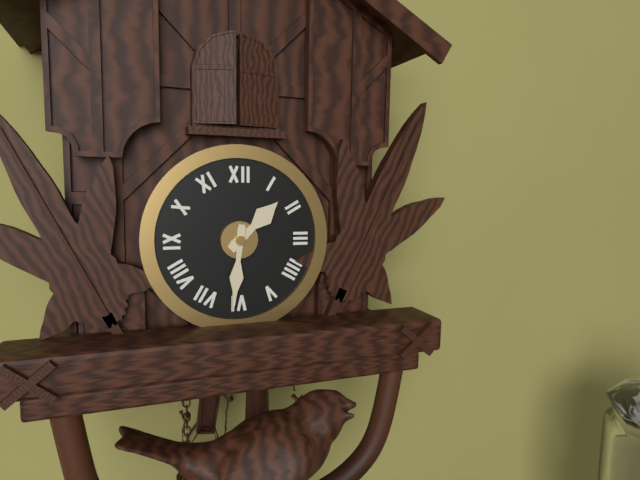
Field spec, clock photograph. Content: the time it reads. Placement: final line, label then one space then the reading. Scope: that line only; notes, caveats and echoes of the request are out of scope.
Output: 1:31
